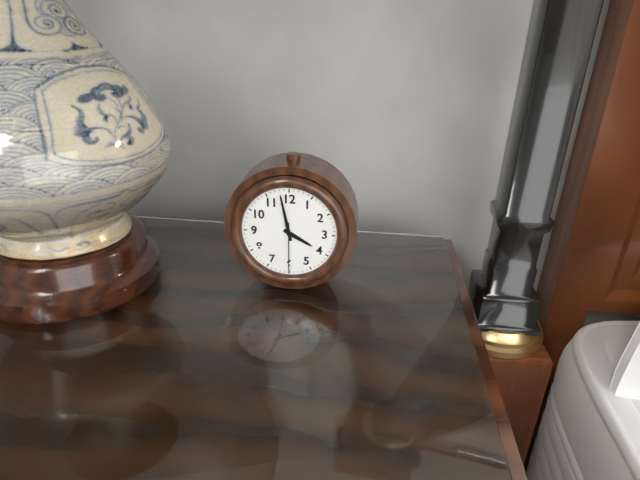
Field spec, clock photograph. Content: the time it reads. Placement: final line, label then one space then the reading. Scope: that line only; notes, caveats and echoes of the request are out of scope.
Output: 3:58
